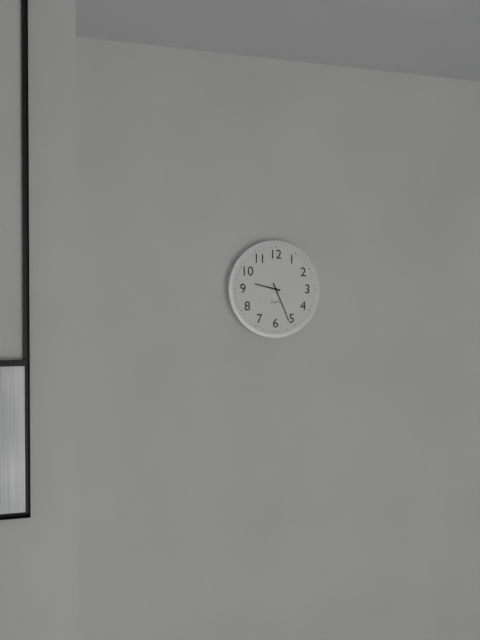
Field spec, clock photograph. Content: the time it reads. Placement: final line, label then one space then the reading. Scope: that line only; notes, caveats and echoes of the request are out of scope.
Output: 9:26
